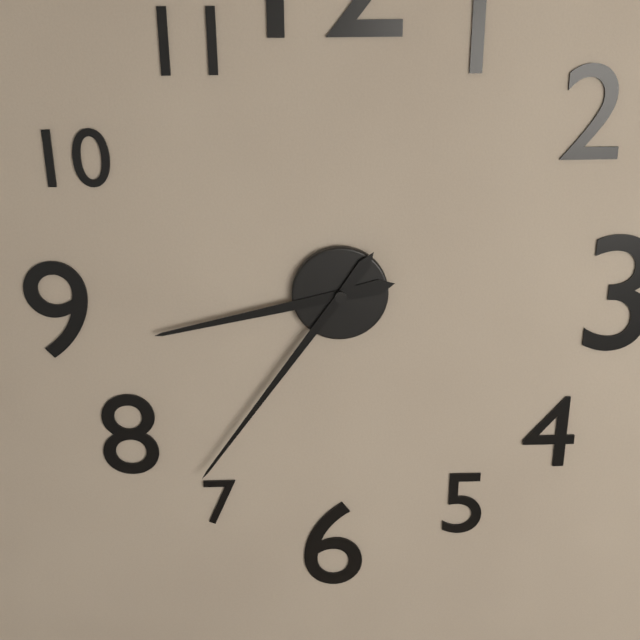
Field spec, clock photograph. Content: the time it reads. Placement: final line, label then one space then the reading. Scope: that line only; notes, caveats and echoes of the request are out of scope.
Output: 8:36
